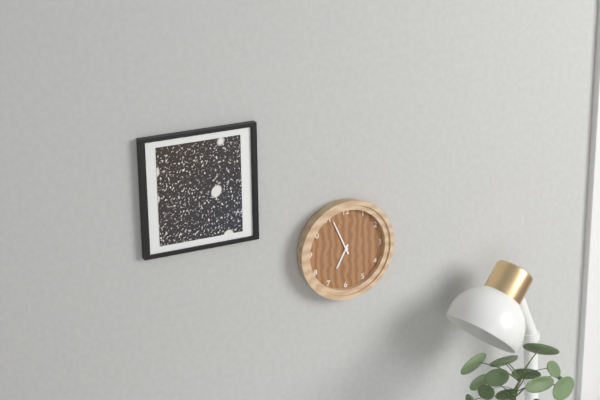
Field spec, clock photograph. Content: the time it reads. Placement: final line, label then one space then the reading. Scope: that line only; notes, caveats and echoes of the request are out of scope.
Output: 6:56
